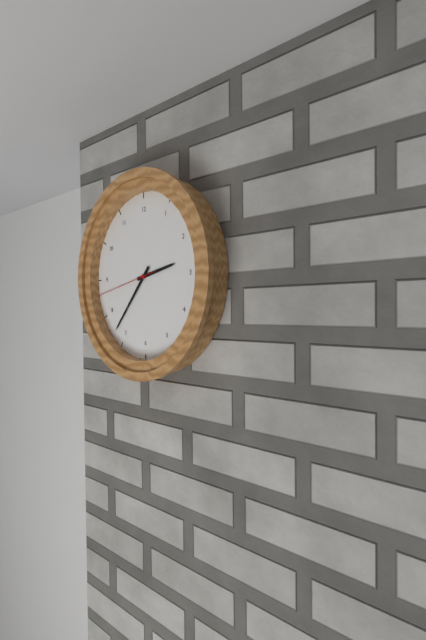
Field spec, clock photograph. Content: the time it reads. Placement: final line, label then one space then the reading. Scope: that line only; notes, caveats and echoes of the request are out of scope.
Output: 2:37:43
